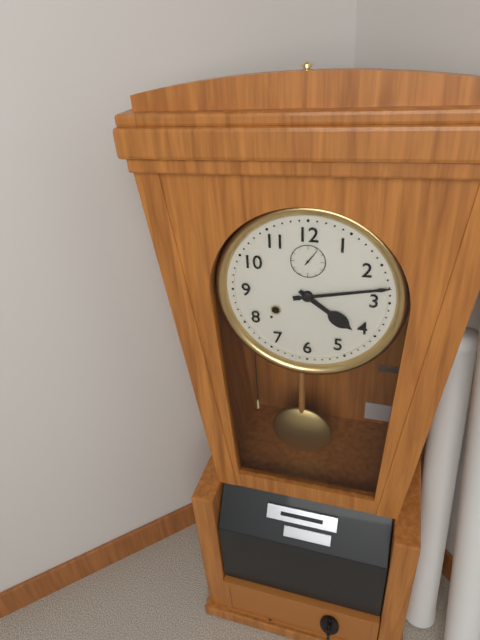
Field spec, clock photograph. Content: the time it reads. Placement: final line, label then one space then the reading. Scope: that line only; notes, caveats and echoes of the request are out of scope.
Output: 4:13
